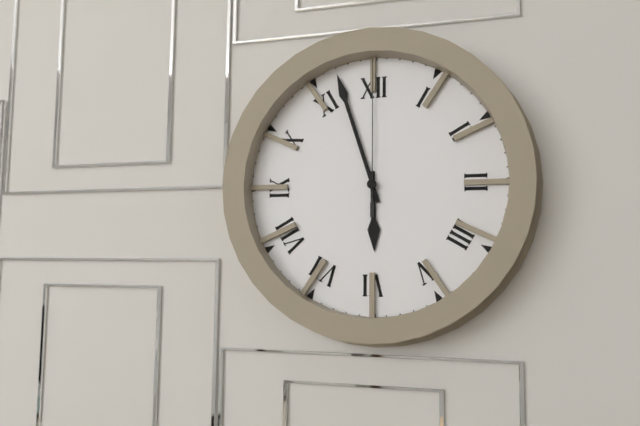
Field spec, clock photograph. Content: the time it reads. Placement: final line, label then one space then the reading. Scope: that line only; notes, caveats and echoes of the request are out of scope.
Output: 5:57:00
